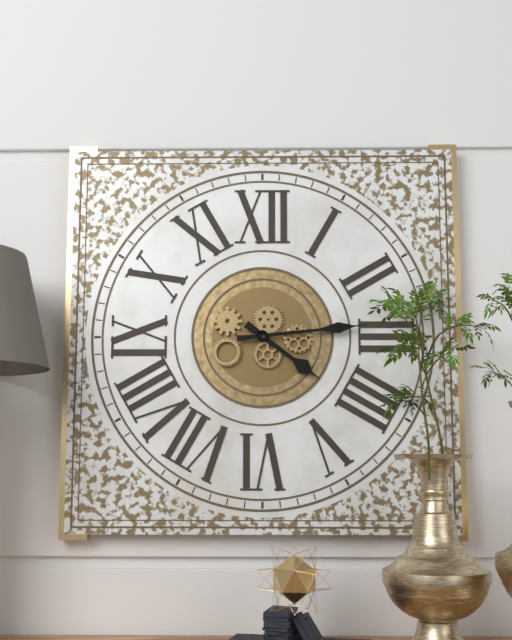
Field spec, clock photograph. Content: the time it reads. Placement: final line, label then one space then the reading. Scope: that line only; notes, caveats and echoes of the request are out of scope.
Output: 4:14
